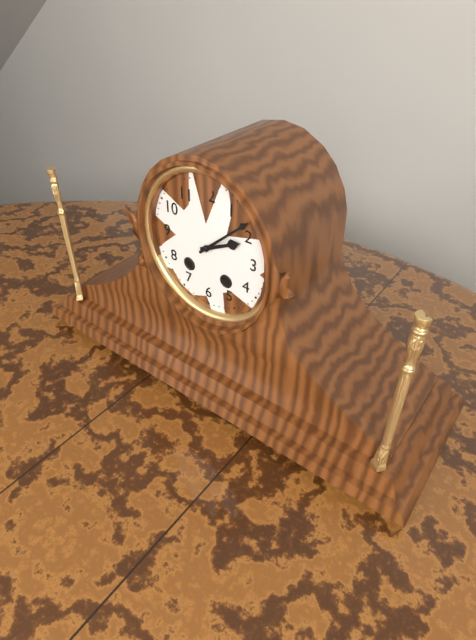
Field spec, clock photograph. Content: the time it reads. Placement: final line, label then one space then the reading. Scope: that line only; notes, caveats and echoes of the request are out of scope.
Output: 2:08
